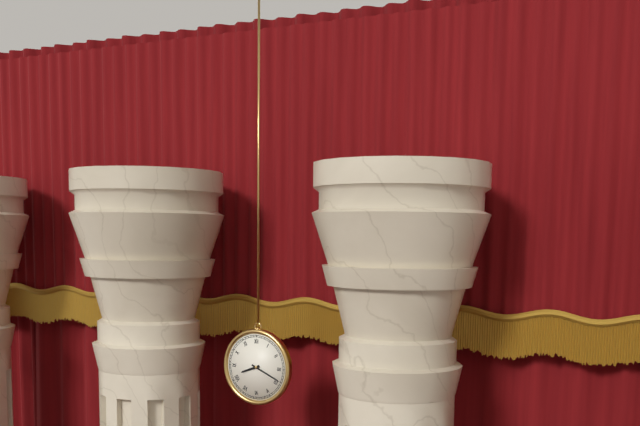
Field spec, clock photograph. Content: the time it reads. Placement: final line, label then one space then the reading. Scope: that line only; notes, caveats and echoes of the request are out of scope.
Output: 8:19
